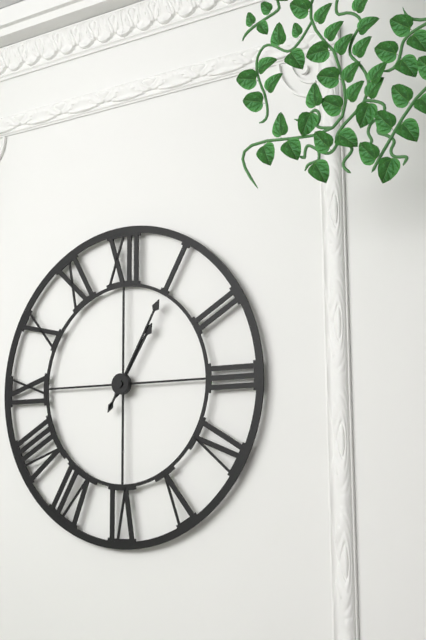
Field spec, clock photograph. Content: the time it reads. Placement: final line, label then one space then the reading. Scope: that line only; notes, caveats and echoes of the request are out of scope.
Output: 1:05
